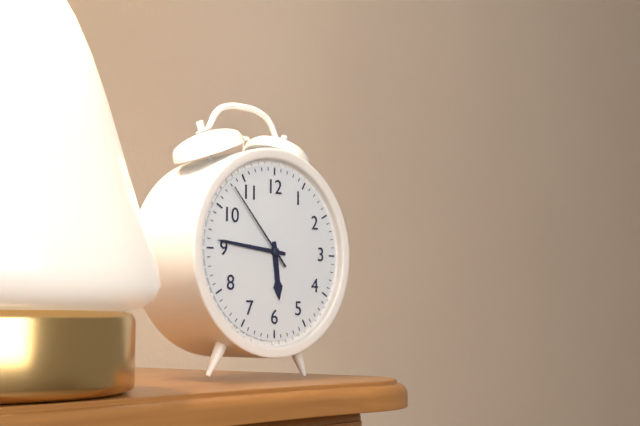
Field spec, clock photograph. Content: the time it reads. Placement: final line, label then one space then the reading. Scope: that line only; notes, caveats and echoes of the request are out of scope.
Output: 5:46:53
